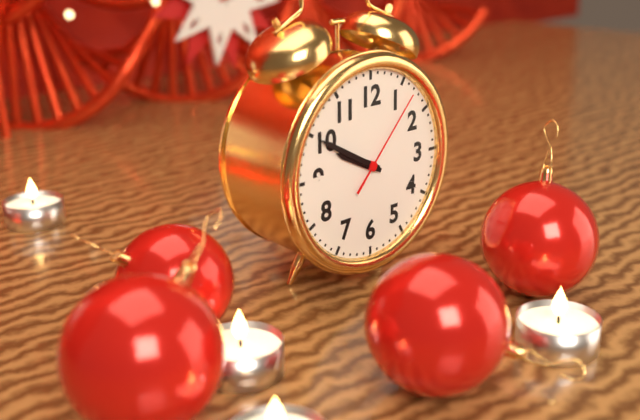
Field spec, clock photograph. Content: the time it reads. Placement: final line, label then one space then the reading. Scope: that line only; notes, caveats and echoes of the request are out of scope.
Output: 9:50:07
